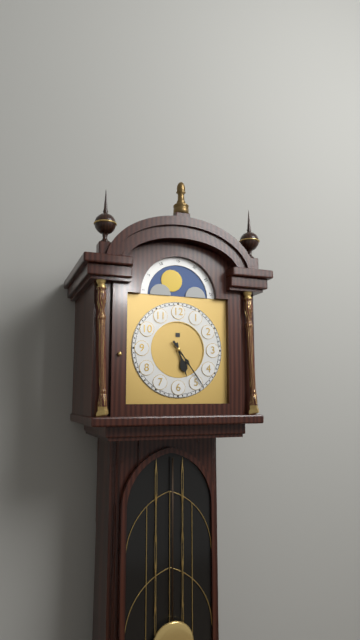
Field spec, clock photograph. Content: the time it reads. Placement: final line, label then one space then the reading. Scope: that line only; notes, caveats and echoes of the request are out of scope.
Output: 5:24
